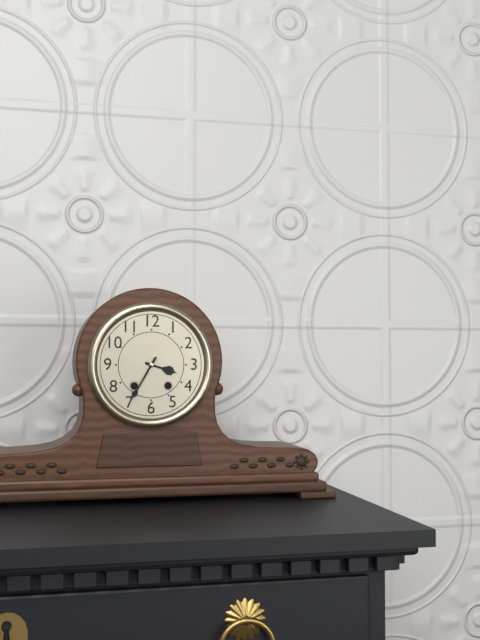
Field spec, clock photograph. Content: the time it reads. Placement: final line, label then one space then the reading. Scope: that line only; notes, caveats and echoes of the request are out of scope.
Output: 3:35
